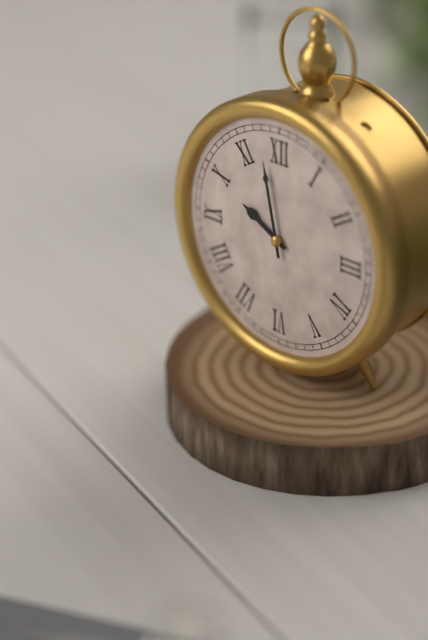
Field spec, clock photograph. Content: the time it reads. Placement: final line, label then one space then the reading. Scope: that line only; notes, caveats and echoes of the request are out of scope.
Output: 9:58
